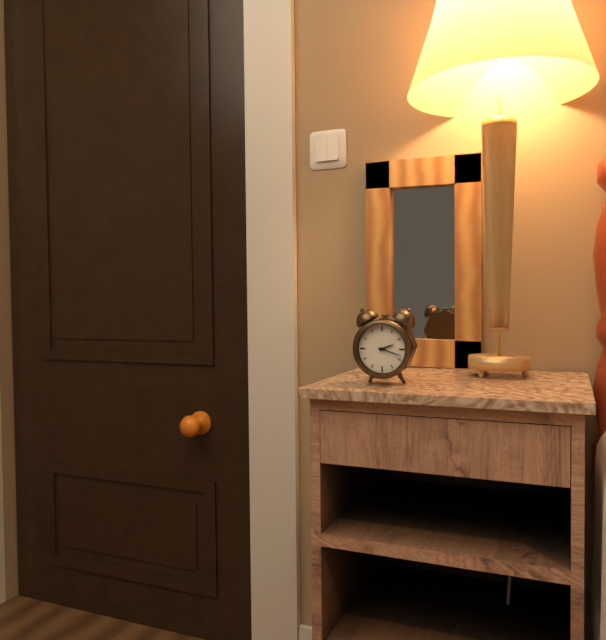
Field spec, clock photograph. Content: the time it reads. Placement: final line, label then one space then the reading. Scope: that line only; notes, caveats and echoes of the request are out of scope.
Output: 2:18
